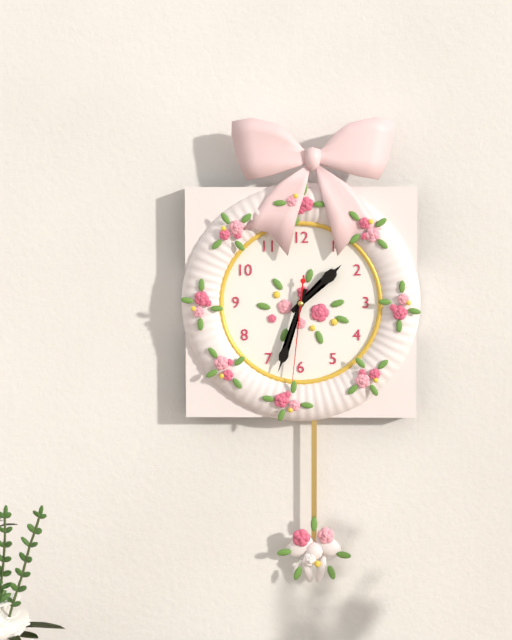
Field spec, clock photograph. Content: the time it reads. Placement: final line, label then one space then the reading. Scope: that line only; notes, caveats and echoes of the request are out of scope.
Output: 1:33:31
